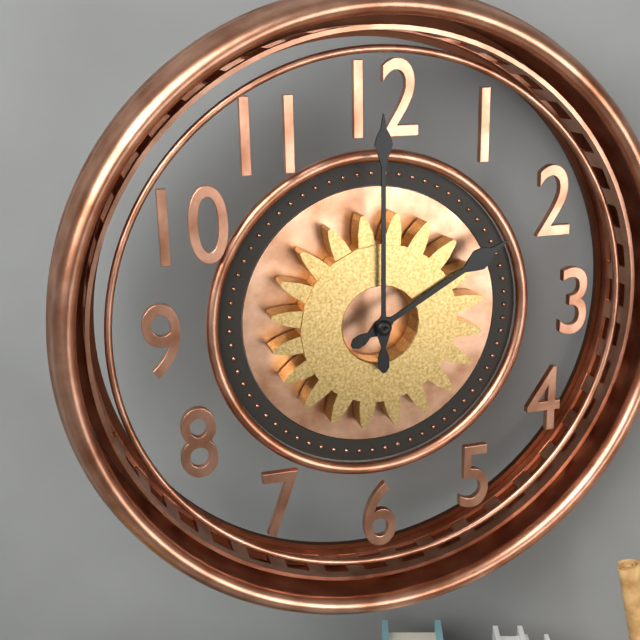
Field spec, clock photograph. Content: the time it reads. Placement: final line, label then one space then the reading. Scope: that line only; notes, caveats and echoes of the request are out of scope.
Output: 2:00
